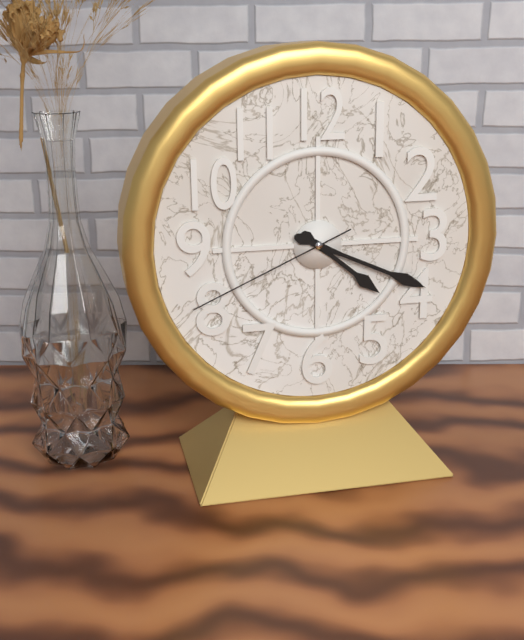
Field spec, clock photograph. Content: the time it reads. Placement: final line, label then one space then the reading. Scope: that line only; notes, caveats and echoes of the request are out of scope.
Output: 4:19:41
